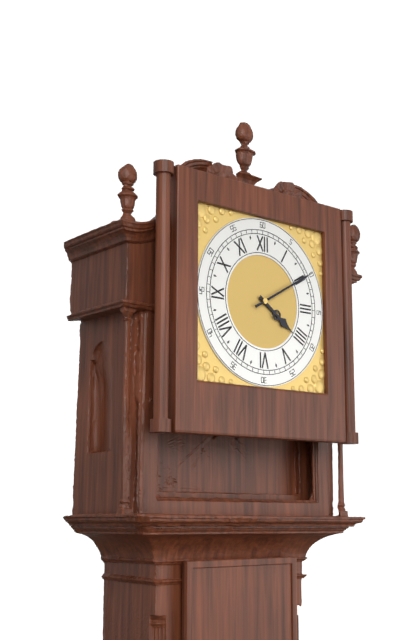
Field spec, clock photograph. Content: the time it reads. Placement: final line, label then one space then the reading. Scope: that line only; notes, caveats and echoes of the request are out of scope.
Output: 4:10
